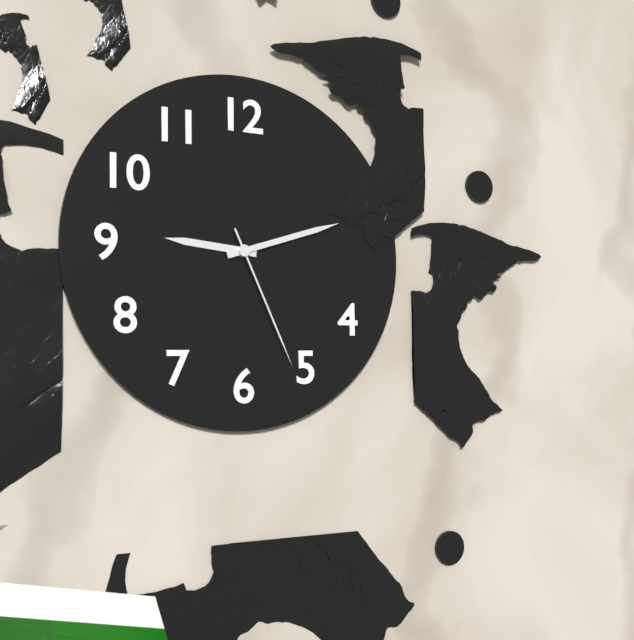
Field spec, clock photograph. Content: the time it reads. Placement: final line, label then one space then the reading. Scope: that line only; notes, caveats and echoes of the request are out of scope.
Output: 9:12:26
